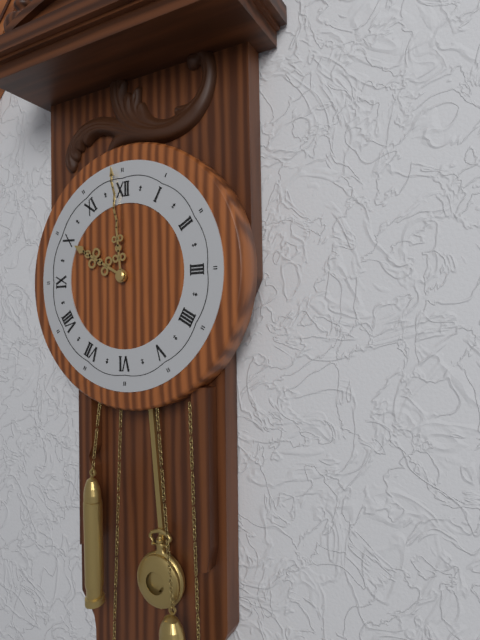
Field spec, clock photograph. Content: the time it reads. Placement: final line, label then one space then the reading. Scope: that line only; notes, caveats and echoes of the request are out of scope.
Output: 9:59
